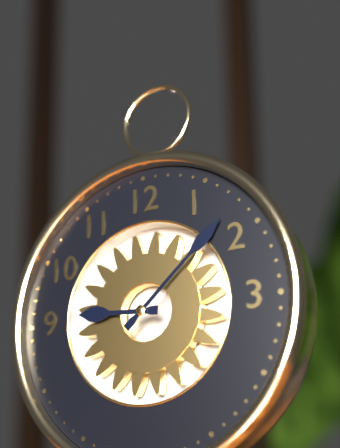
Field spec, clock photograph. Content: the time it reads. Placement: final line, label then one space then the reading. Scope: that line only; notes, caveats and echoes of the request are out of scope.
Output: 9:08
